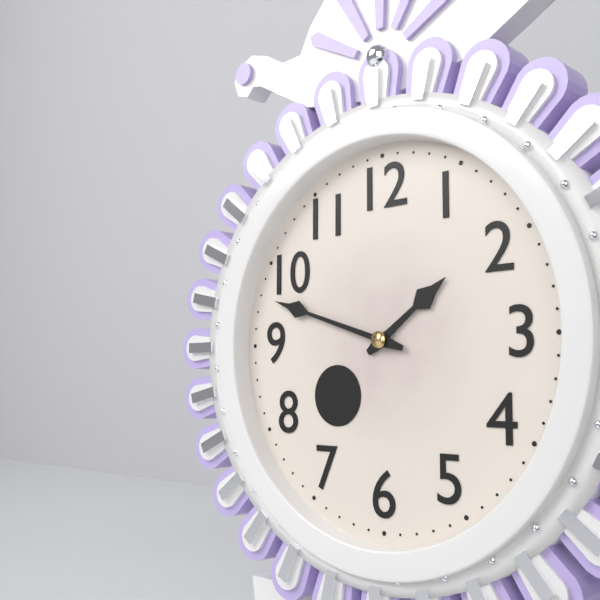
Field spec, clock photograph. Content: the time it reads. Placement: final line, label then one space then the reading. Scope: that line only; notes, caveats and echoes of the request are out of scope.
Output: 1:48
